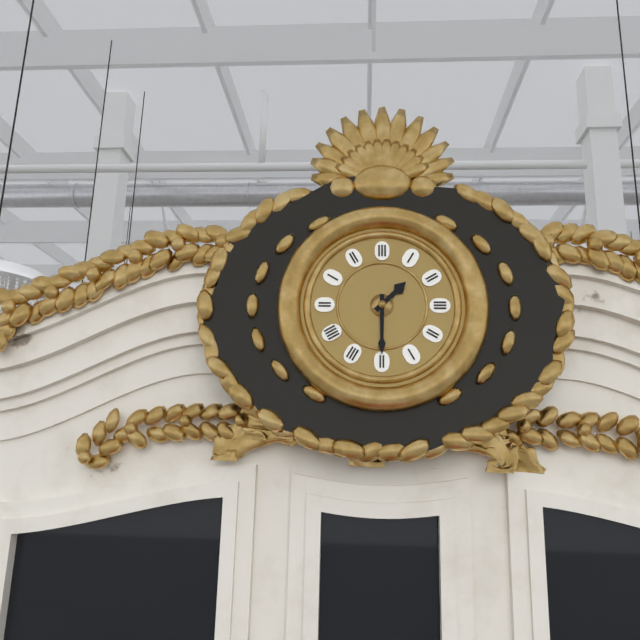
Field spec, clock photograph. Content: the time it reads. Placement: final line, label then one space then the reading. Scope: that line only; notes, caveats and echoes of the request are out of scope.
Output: 1:30
